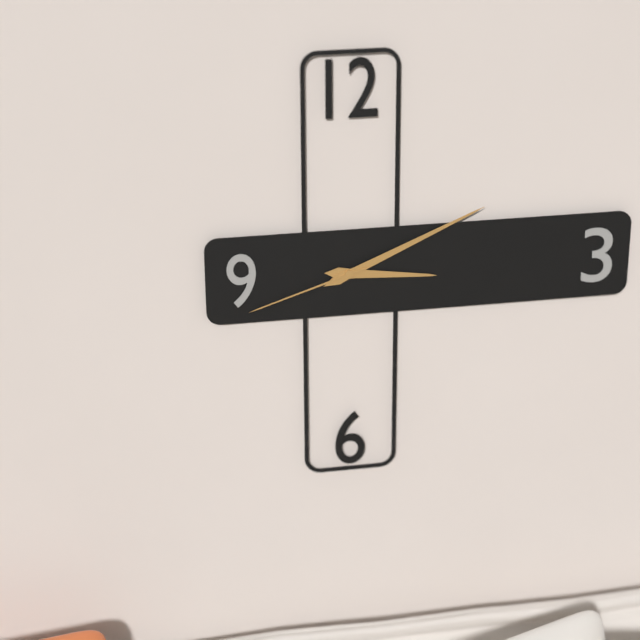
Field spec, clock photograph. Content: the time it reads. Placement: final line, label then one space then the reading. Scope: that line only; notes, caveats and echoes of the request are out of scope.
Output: 3:11:42
